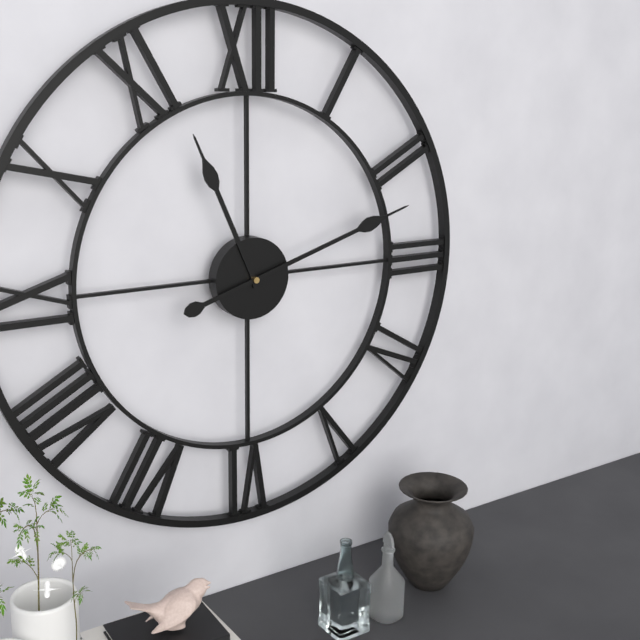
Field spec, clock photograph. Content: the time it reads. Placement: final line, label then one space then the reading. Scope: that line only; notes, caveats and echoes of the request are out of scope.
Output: 11:12
